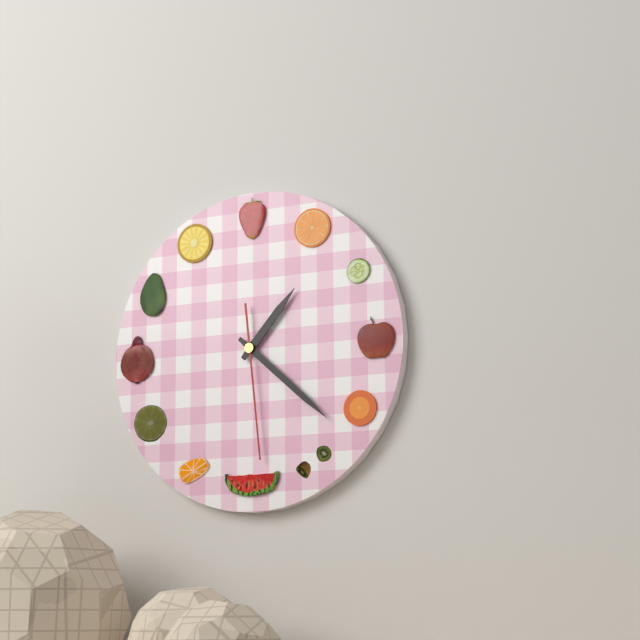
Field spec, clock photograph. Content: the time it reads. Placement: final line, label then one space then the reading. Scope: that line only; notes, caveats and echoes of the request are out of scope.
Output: 1:22:29
